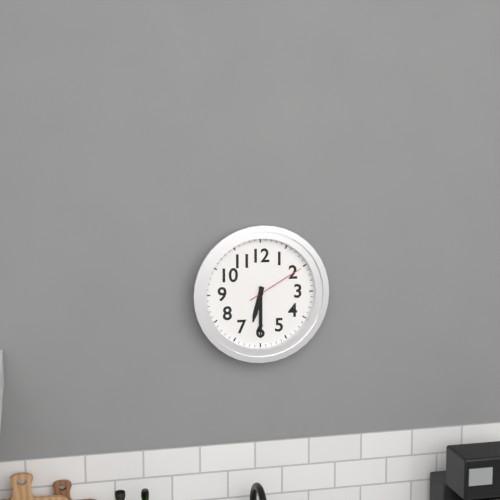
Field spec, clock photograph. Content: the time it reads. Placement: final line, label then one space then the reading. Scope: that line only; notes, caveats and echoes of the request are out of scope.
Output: 6:30:10
